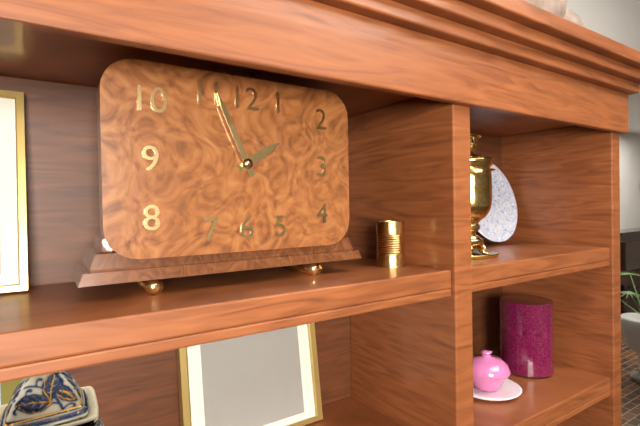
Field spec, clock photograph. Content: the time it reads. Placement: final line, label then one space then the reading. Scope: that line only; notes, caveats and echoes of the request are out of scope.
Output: 1:56
